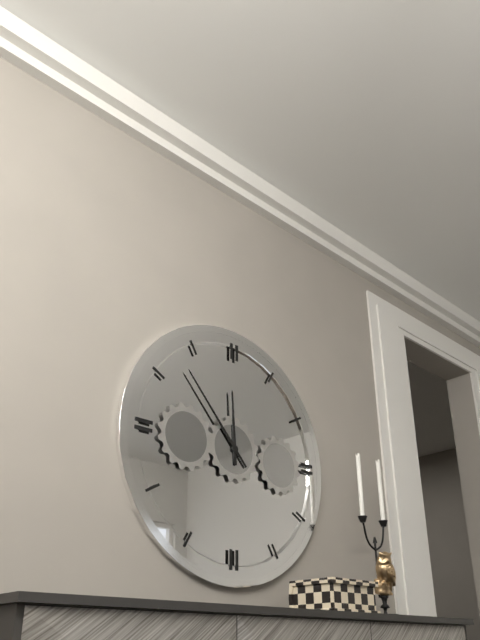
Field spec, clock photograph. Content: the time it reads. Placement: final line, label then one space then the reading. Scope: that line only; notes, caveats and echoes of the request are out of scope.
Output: 11:53
